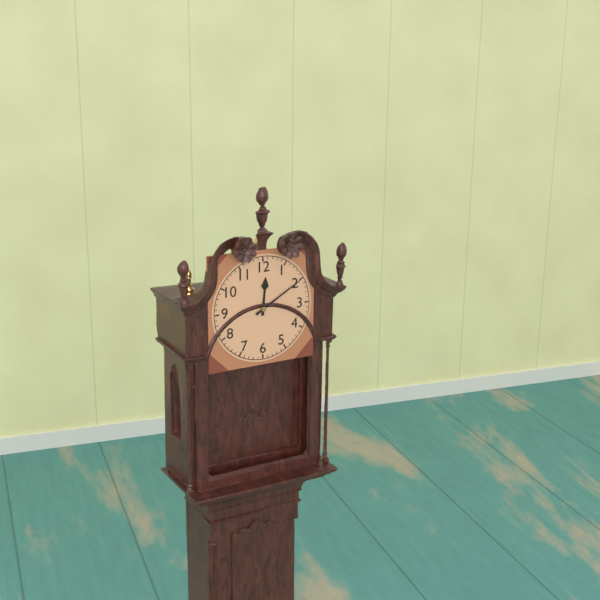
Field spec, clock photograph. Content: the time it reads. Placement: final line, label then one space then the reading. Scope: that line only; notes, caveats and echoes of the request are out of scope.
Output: 12:10
